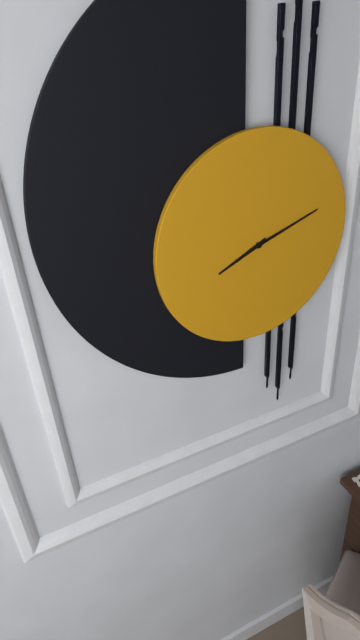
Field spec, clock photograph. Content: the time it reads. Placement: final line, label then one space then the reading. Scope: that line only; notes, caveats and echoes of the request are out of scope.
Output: 8:12
